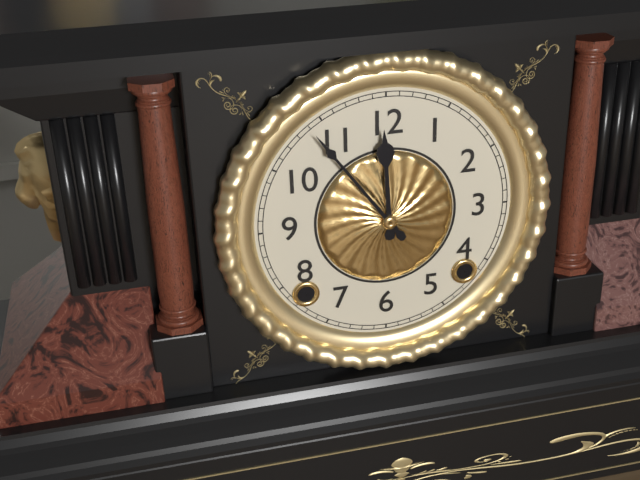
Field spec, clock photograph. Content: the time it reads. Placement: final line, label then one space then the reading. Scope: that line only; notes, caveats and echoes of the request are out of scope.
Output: 11:54
